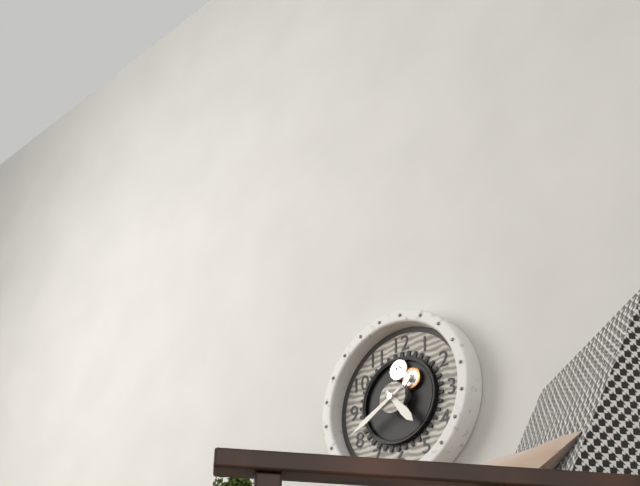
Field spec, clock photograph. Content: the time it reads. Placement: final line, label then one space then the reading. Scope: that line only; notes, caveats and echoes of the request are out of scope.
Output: 4:40
